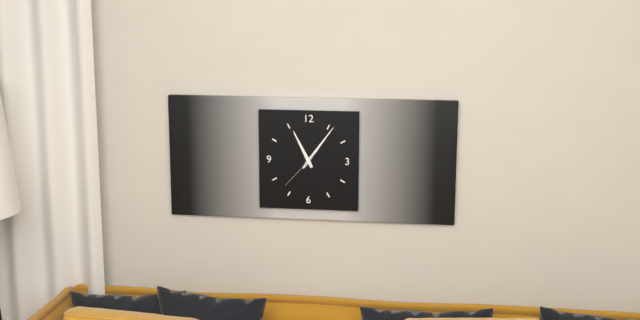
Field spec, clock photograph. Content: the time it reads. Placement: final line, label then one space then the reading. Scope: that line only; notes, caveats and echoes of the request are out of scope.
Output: 11:06
